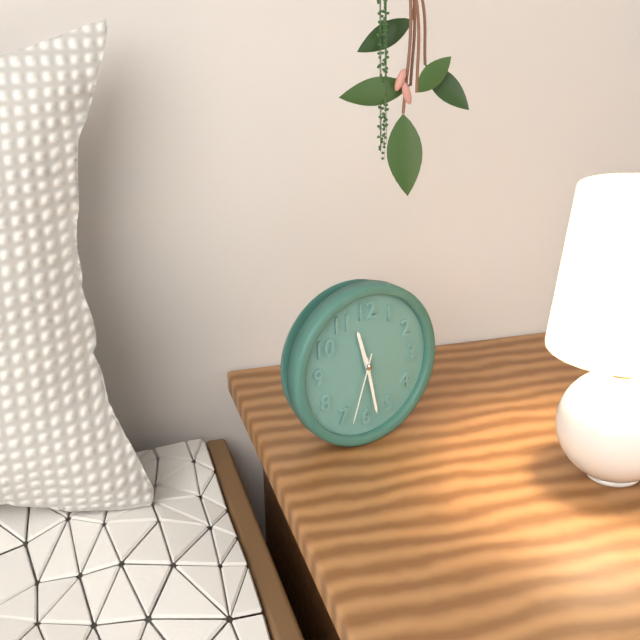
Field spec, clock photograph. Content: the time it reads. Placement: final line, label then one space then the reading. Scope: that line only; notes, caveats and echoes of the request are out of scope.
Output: 11:28:33
